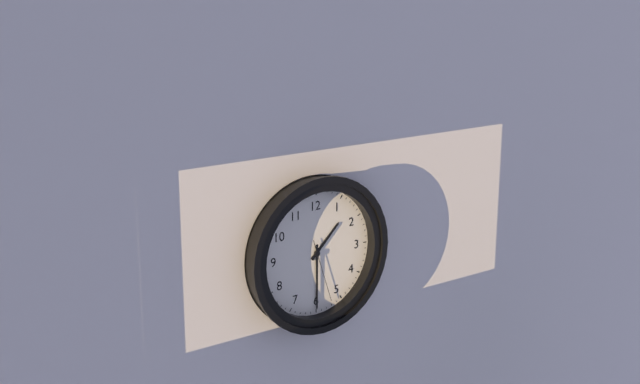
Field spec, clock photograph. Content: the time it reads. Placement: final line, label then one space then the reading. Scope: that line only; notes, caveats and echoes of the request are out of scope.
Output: 1:30:27
